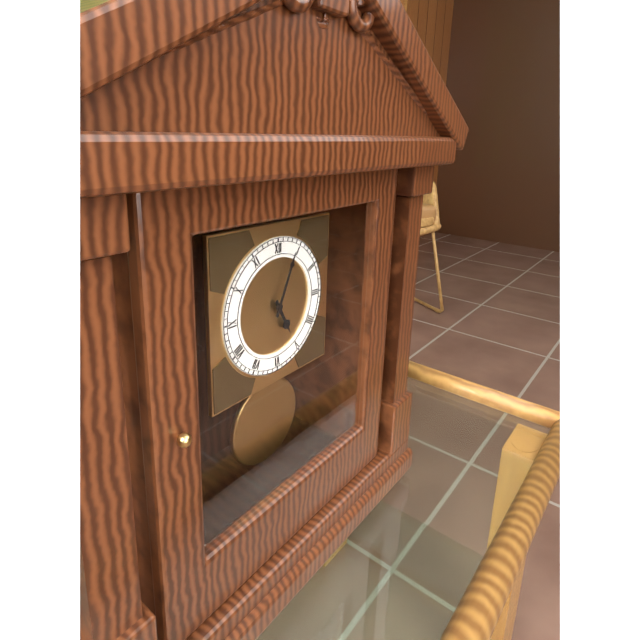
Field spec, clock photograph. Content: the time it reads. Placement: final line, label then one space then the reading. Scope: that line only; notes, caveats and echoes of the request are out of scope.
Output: 5:04
